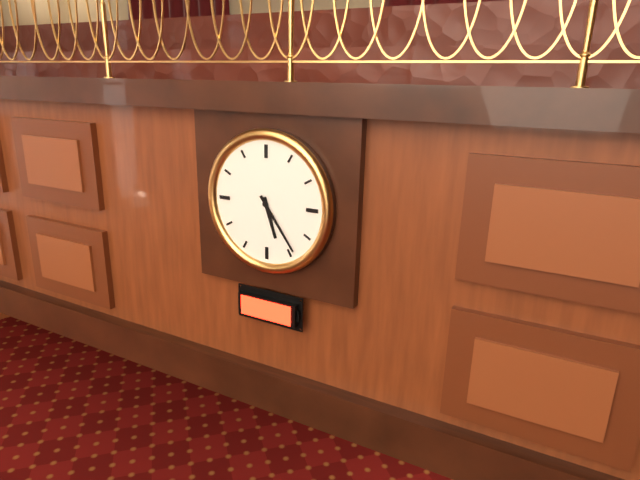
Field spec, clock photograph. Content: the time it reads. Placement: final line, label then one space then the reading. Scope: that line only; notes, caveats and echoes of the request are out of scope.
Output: 5:24
